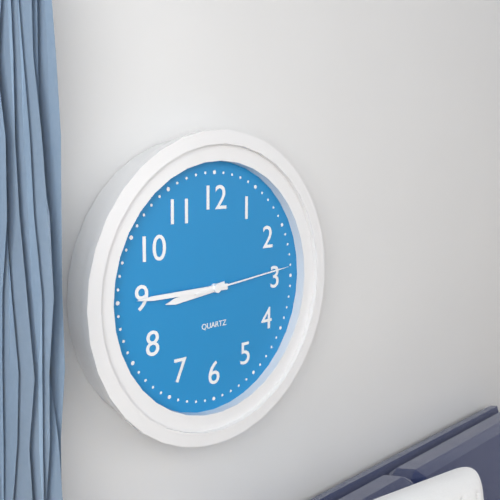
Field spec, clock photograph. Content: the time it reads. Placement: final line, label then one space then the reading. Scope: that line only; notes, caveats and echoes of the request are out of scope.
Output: 8:45:14
